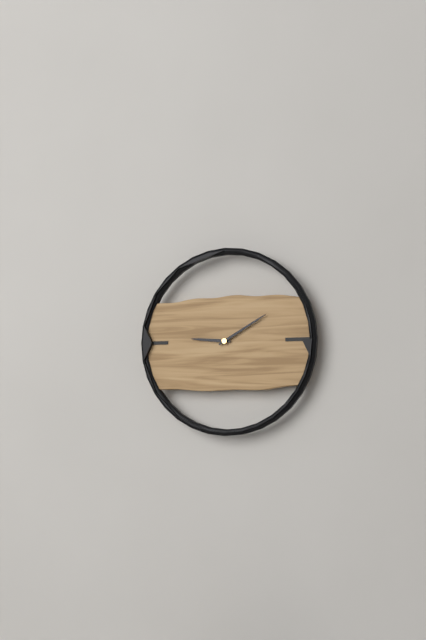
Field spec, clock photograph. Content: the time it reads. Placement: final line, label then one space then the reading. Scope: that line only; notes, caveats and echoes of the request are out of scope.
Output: 9:10
